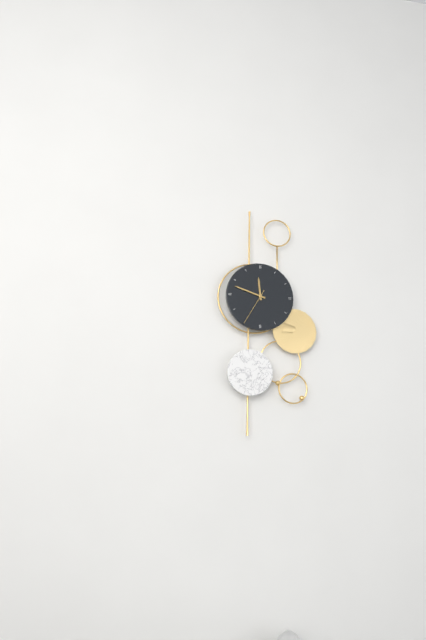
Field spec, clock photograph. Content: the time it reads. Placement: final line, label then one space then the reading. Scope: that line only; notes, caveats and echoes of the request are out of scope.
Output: 11:48
